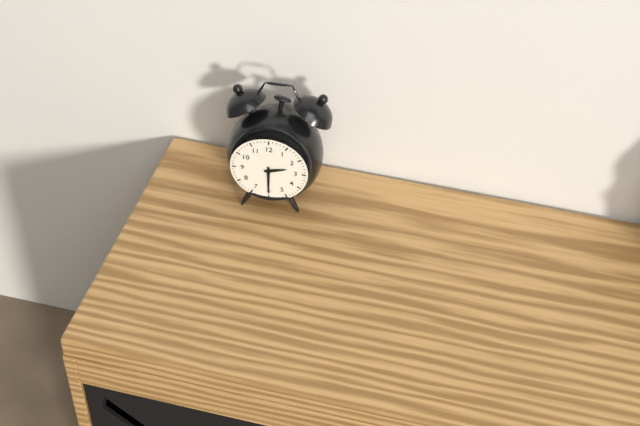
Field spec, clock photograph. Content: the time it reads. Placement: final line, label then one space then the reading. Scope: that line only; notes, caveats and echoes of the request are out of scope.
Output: 2:30
